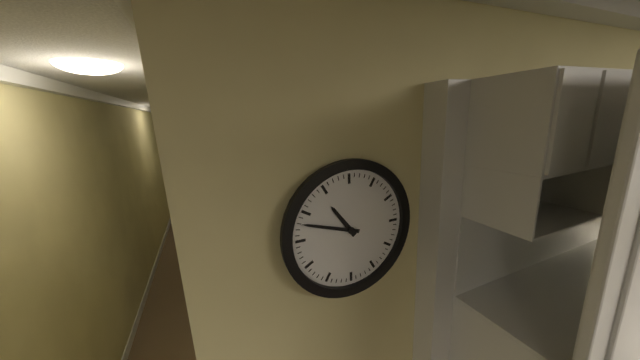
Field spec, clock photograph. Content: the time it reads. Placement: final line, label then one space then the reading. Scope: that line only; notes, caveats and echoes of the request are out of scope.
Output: 10:48
